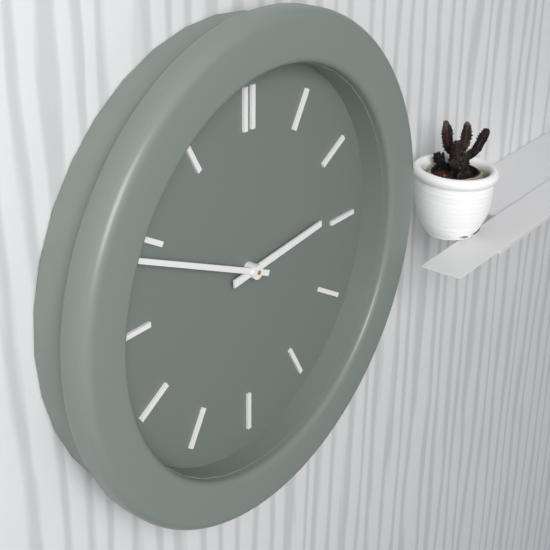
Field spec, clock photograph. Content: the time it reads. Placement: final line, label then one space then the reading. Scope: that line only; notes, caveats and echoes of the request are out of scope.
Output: 2:49
